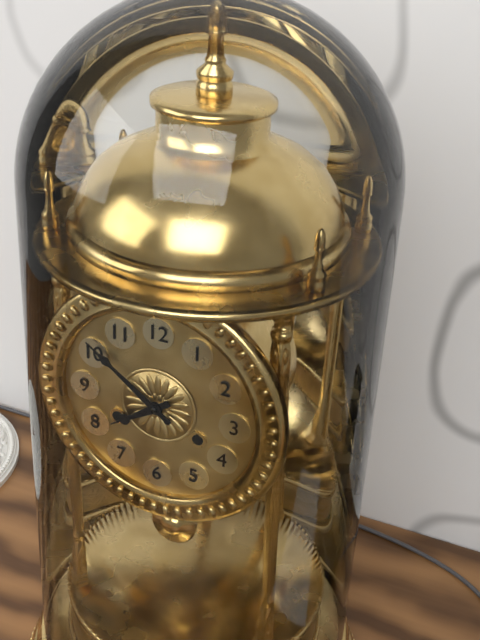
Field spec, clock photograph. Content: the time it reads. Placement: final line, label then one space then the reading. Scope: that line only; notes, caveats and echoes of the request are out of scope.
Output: 7:51
